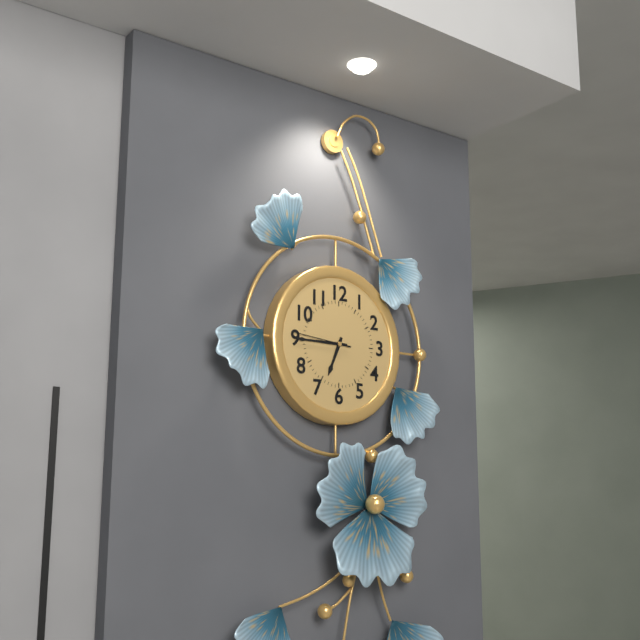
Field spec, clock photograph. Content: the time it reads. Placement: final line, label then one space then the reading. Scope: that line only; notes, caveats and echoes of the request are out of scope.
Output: 6:45:46
